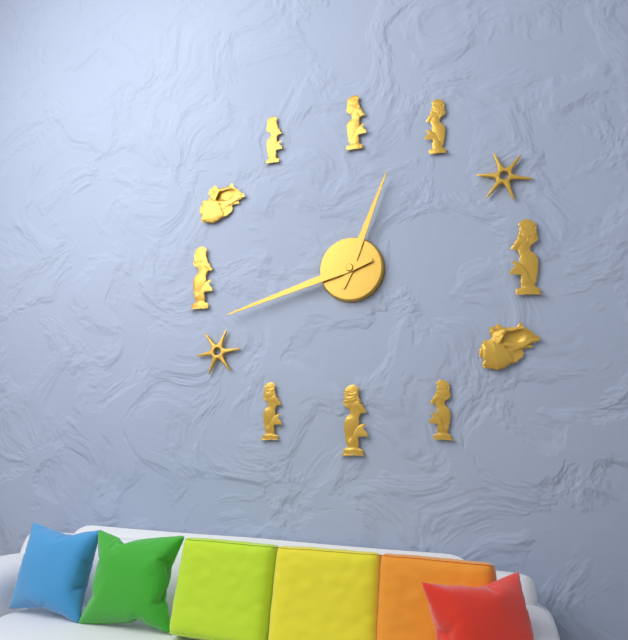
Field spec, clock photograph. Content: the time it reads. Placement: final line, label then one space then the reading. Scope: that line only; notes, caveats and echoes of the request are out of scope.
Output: 12:42
